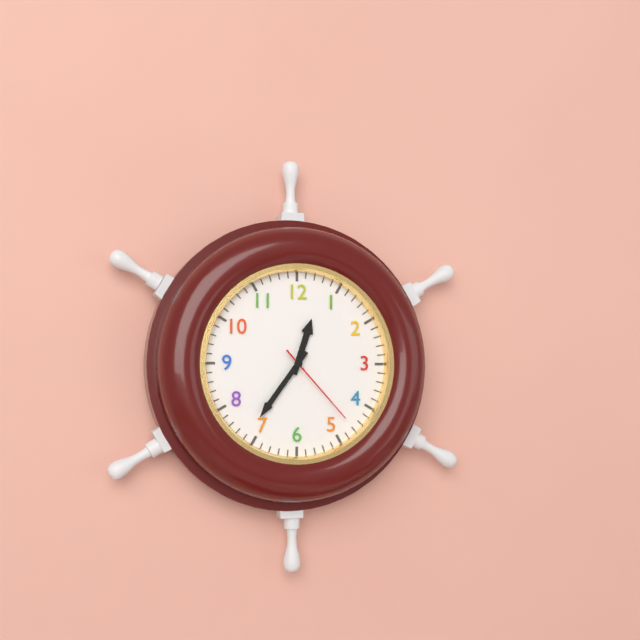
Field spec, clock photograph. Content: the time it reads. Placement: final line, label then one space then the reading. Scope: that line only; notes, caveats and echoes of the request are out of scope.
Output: 12:36:23
